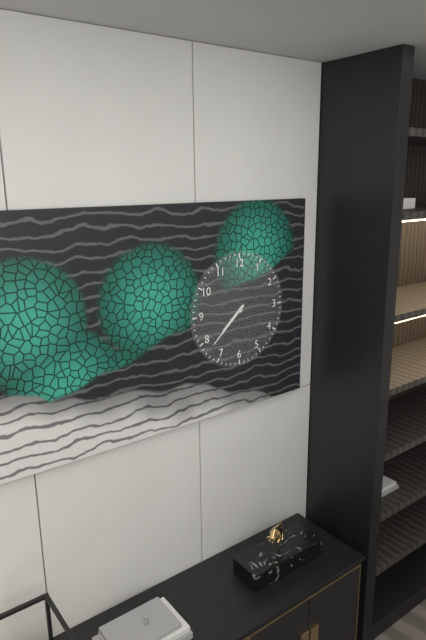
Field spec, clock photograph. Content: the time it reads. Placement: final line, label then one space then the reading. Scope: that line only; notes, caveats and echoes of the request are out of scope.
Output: 7:38
